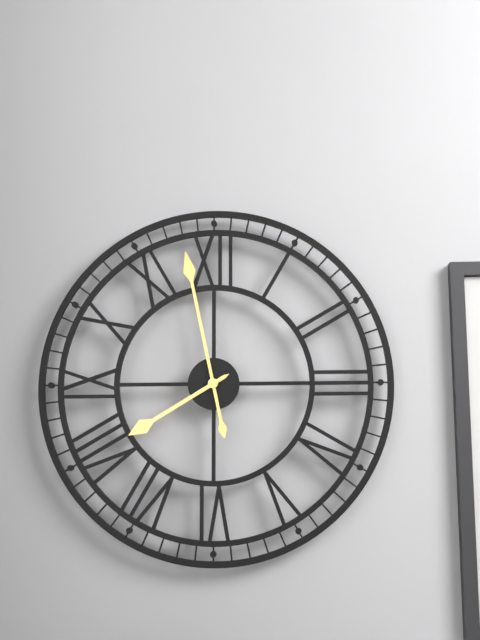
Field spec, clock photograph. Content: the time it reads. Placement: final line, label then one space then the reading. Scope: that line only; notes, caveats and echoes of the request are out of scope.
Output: 7:58
